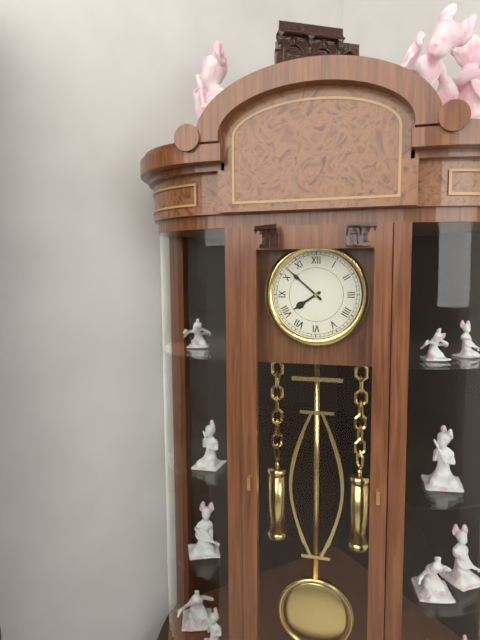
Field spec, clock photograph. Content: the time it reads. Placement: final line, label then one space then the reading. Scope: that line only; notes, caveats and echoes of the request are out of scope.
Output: 7:52
